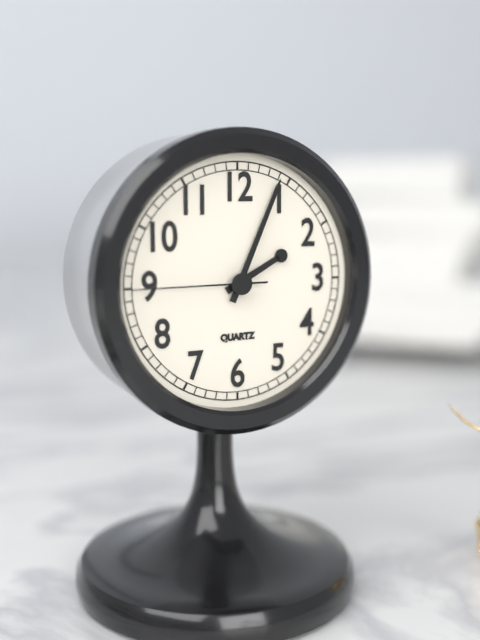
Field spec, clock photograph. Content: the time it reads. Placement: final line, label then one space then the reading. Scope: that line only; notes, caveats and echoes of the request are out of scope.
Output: 2:04:45
